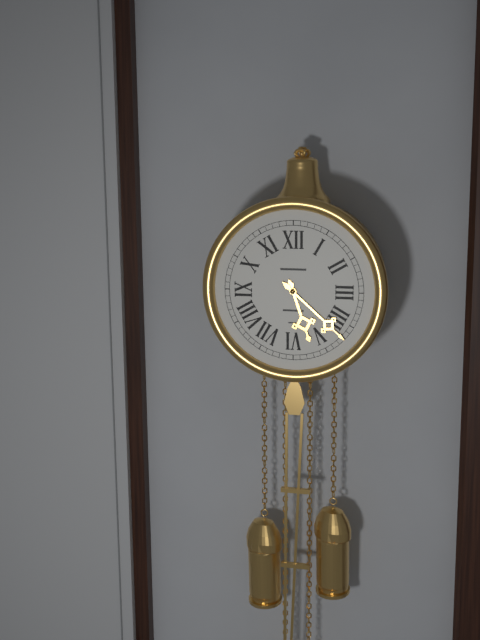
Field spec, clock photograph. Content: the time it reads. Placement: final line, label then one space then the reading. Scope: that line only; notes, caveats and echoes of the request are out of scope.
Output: 5:22
